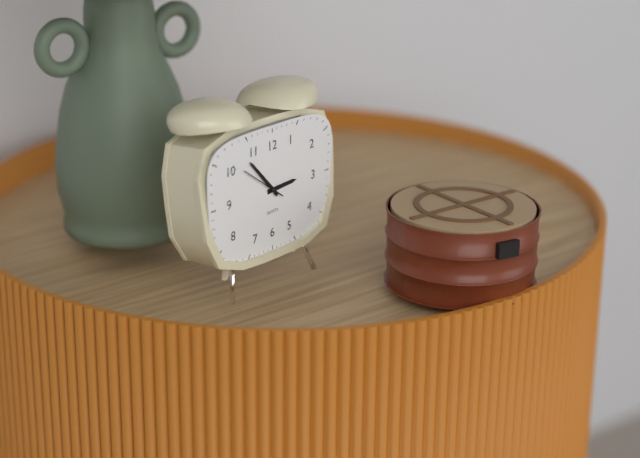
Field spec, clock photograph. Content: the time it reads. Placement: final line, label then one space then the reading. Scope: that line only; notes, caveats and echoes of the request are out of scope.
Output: 2:53
